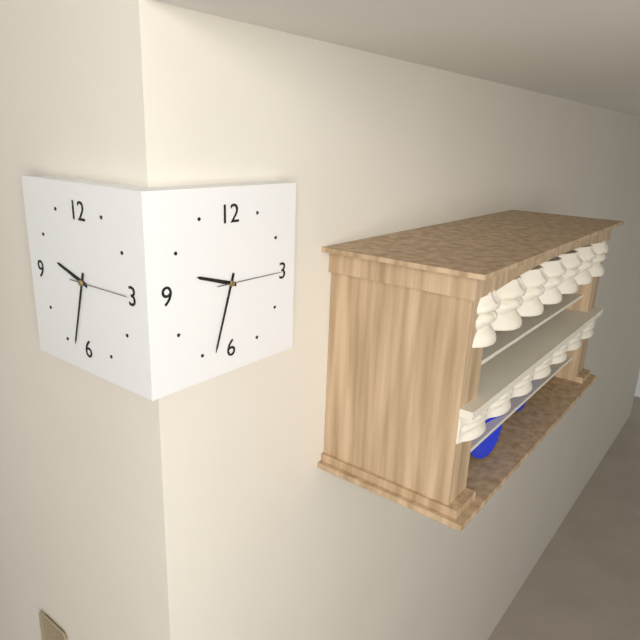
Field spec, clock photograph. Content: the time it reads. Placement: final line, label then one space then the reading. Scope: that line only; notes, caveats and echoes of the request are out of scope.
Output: 9:33:15
